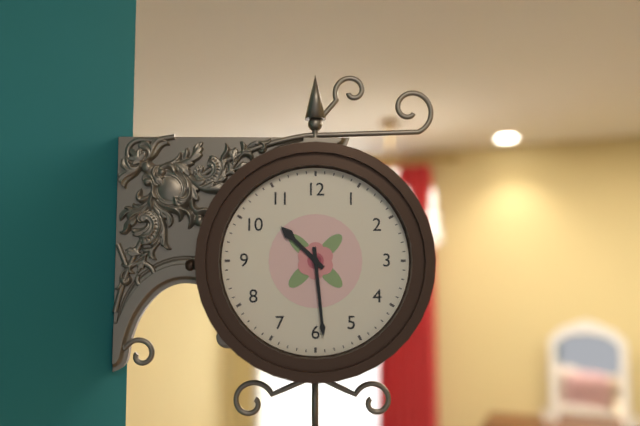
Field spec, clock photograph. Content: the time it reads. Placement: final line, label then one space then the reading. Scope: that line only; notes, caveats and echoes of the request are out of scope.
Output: 10:29
